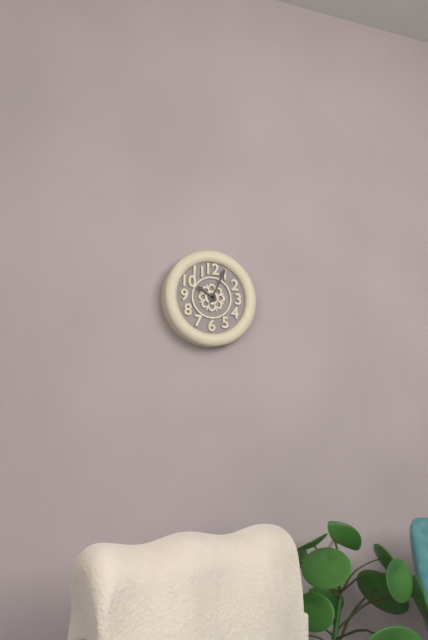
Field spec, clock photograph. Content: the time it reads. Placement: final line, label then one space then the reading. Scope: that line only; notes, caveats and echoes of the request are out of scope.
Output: 10:04
